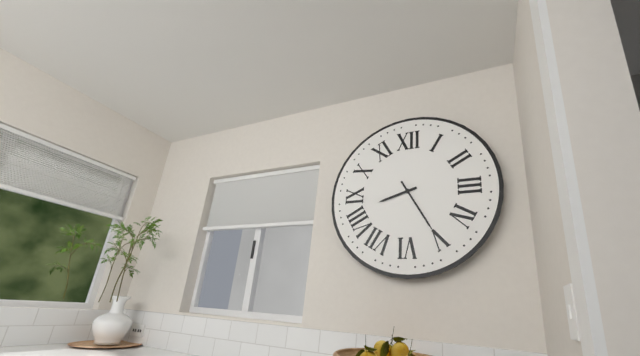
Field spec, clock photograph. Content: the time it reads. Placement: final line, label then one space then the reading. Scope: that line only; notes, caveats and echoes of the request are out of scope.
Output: 8:25
